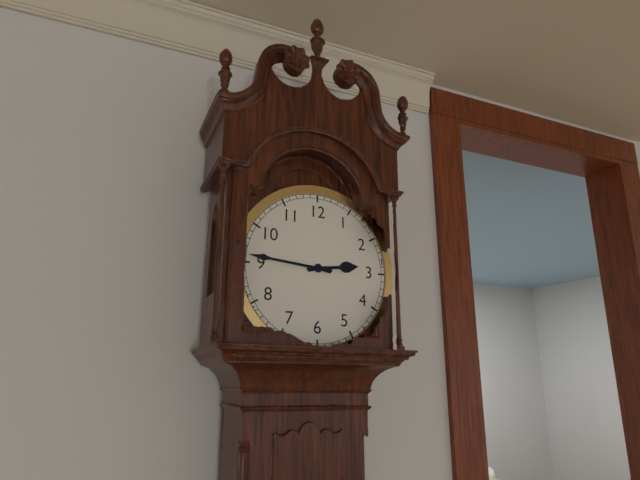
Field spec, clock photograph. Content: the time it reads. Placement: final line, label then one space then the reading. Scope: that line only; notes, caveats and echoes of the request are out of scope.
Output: 2:46
